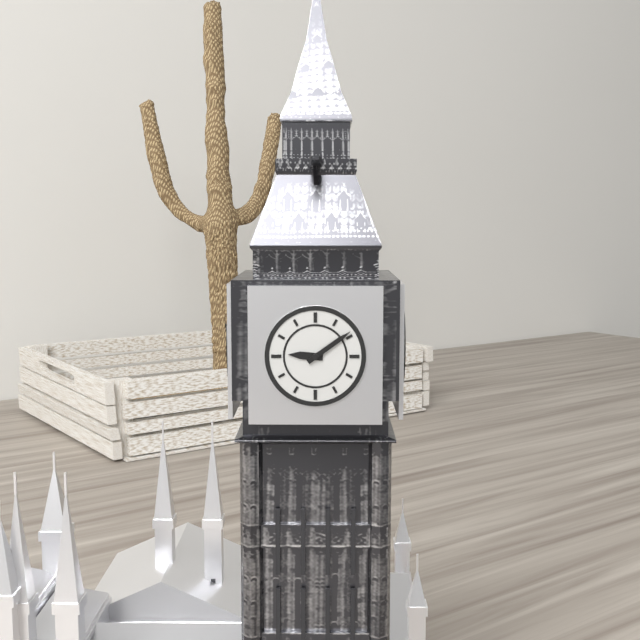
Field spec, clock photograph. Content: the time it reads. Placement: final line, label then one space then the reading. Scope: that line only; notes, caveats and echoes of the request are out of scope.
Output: 9:09
